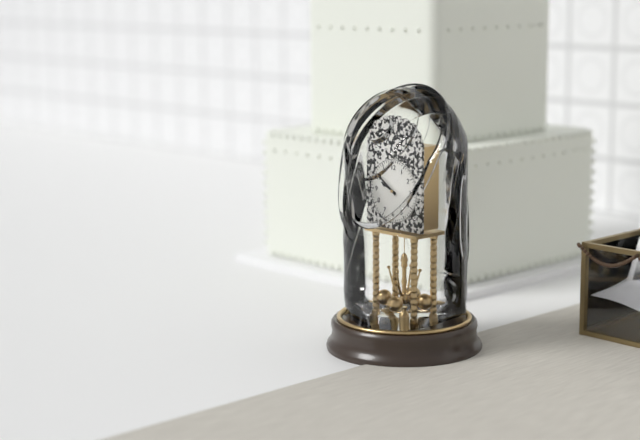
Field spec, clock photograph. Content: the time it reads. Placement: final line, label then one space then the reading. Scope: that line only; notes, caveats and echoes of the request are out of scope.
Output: 9:51
